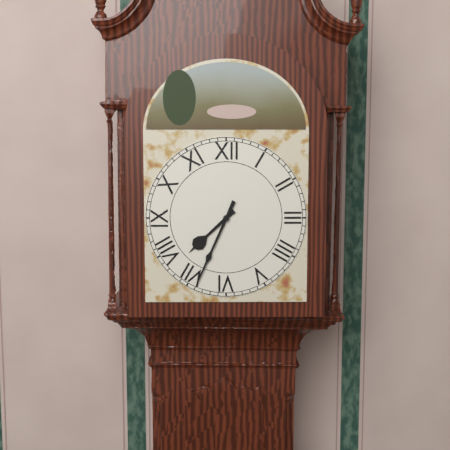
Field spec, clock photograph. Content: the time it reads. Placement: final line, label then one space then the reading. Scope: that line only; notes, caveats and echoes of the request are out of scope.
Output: 7:34
